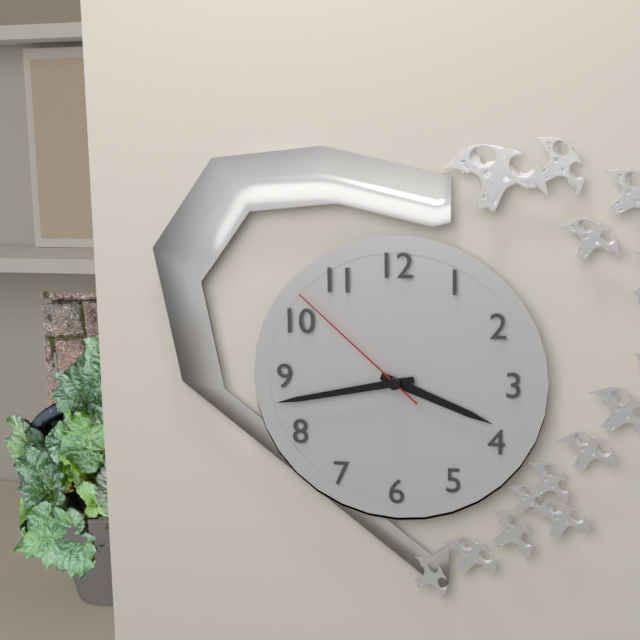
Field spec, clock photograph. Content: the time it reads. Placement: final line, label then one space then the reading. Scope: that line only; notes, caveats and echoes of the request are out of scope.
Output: 3:43:52
